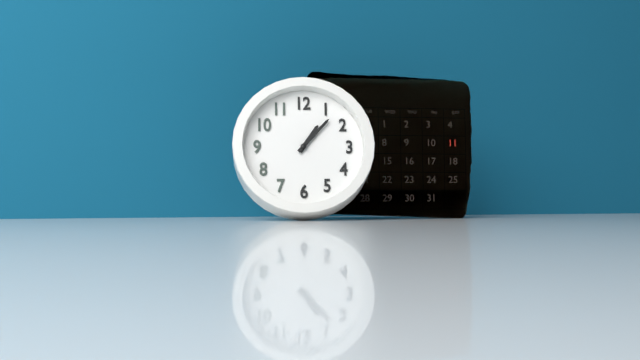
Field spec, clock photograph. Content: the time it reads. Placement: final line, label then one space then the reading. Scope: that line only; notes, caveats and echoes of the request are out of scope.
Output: 1:07
